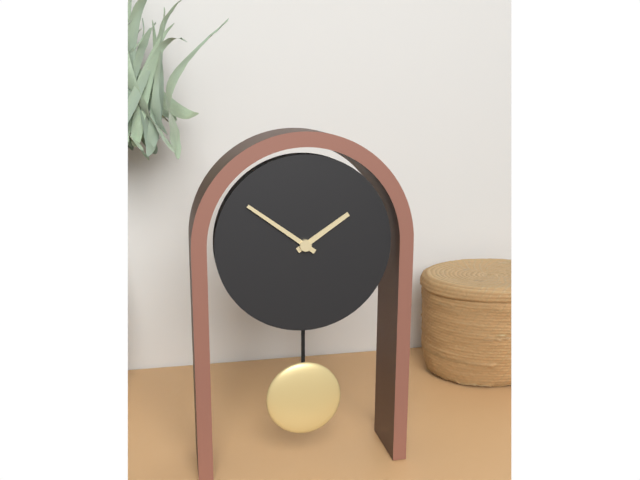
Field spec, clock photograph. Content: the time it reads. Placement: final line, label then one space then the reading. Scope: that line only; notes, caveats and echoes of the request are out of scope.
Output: 1:51
